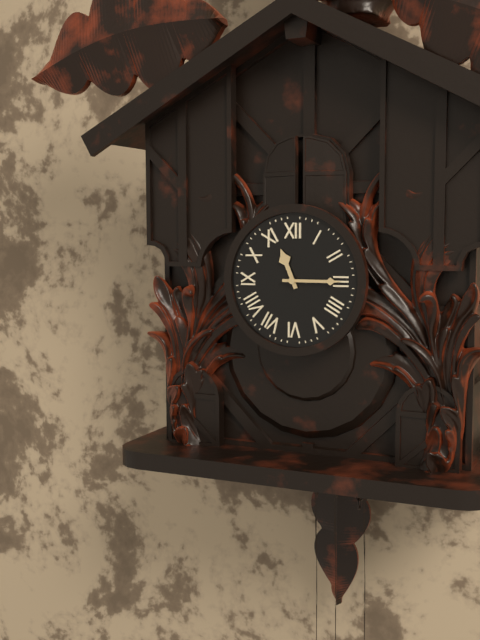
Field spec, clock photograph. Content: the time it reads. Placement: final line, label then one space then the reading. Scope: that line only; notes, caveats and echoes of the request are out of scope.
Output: 11:15
